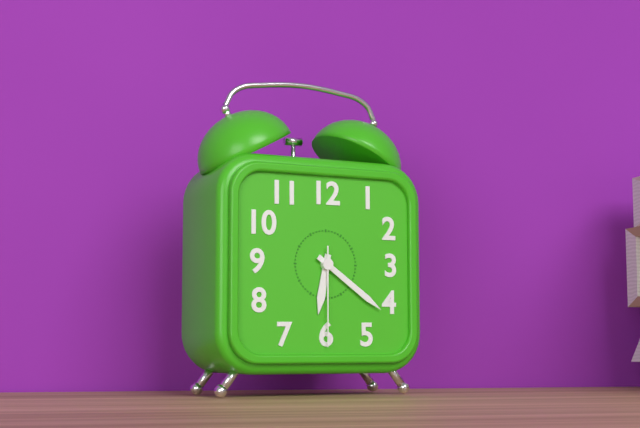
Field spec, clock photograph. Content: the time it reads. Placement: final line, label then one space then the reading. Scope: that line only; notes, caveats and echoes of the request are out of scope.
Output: 6:21:30
